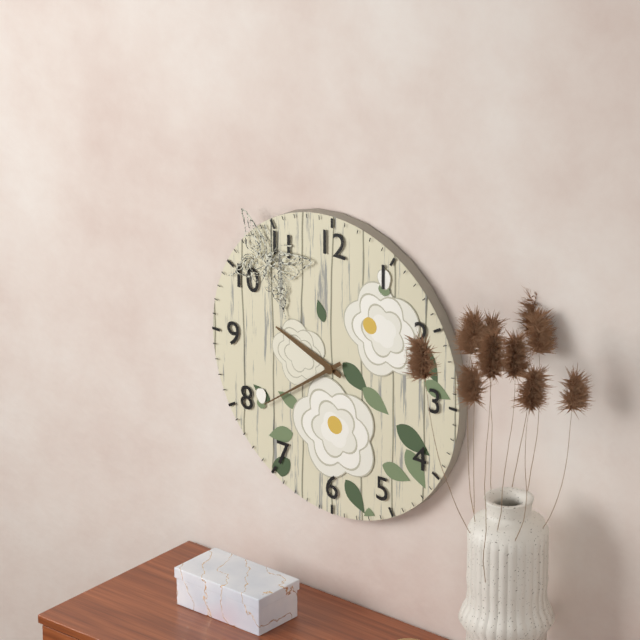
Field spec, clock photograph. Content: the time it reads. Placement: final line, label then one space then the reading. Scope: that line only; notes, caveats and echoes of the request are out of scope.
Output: 9:39
